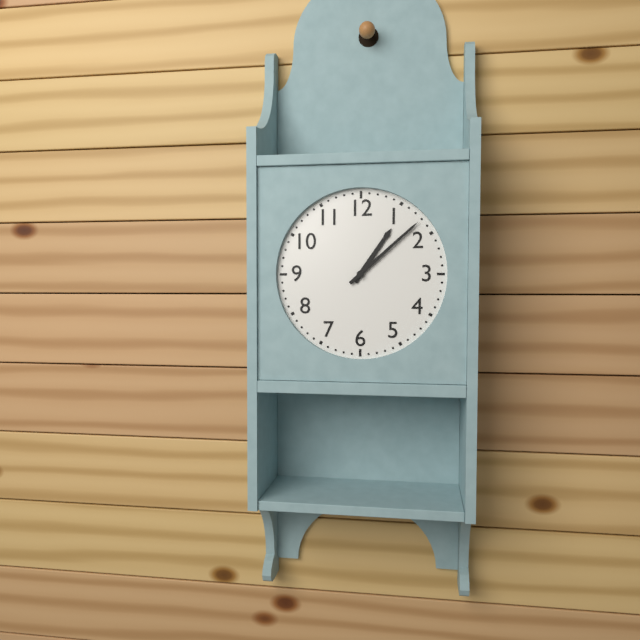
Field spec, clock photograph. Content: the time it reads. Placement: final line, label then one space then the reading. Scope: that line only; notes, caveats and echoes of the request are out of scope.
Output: 1:08
